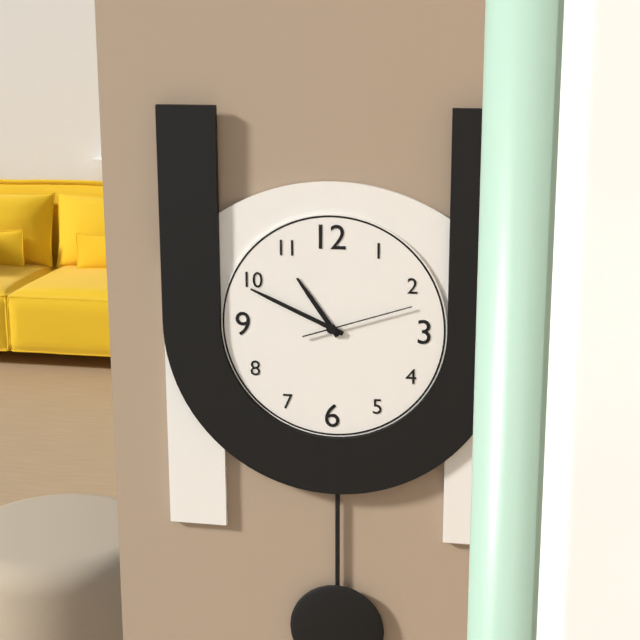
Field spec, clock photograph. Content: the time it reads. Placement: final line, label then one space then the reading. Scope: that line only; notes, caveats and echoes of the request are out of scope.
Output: 10:49:12
